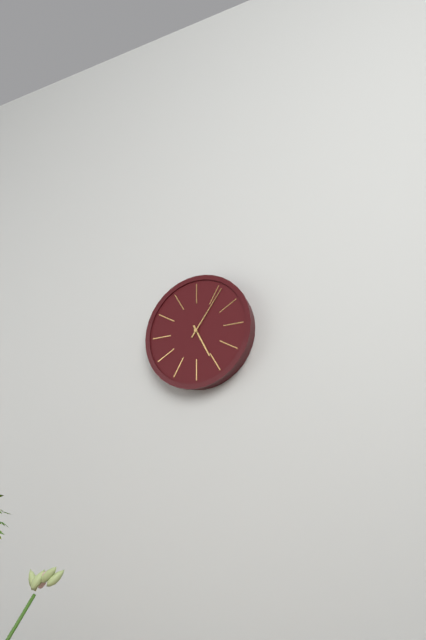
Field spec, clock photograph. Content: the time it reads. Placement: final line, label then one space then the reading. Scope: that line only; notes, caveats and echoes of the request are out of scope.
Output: 5:06
